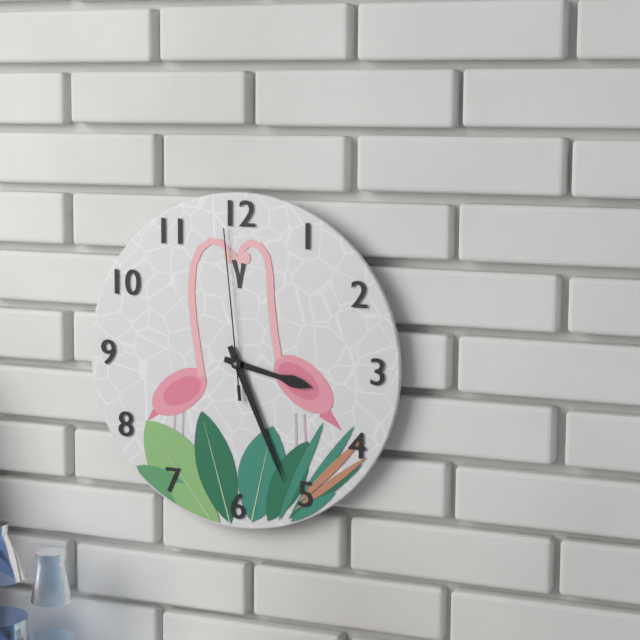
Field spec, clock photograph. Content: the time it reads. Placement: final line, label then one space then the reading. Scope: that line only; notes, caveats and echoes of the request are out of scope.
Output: 3:26:59
